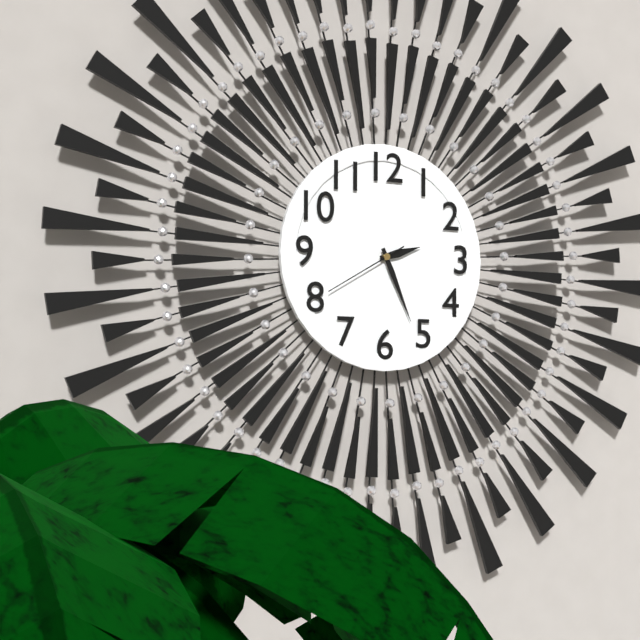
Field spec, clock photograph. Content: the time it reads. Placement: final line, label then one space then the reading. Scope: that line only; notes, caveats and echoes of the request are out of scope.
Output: 2:26:40
